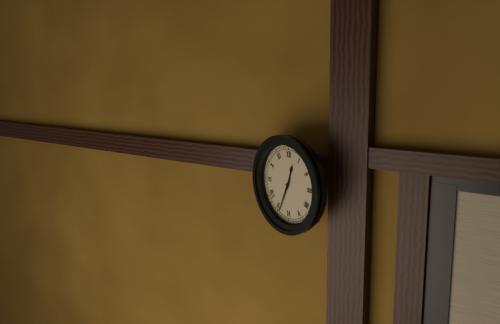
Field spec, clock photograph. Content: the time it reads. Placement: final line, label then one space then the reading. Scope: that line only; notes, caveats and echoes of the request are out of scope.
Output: 12:34
